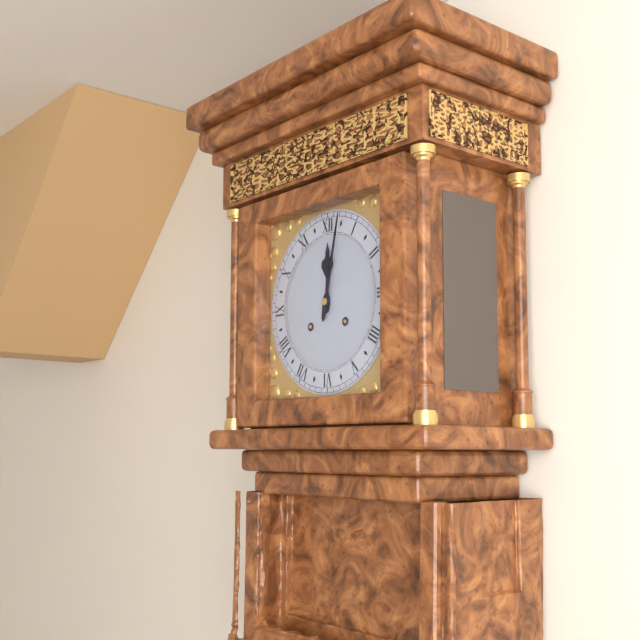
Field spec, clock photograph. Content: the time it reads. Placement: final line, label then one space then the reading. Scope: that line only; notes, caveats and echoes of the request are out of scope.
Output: 12:02
